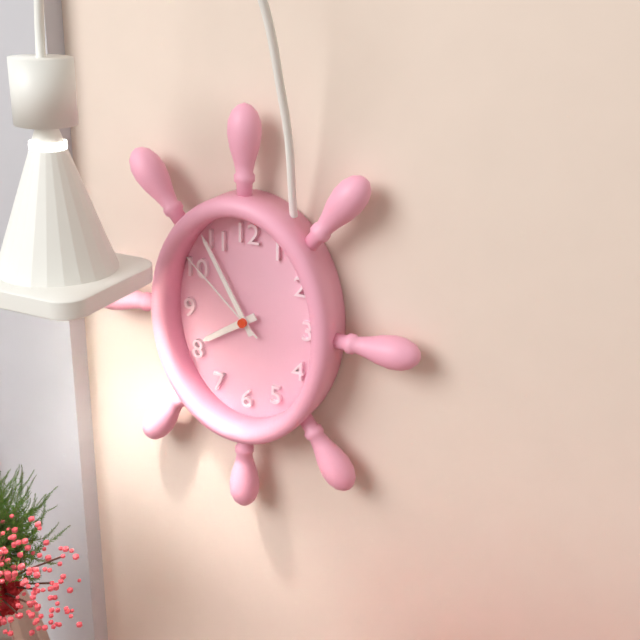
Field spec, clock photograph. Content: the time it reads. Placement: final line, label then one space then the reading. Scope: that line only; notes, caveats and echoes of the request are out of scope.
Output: 7:55:52
